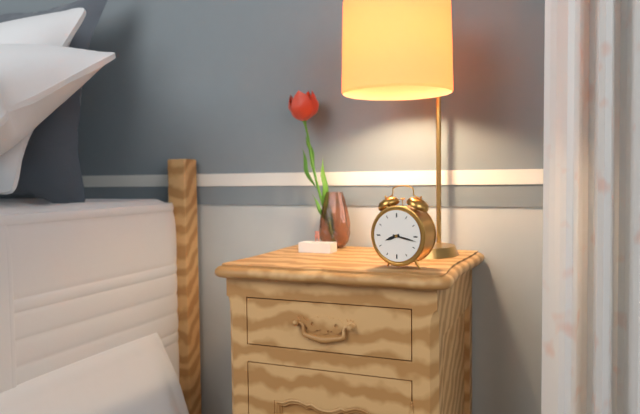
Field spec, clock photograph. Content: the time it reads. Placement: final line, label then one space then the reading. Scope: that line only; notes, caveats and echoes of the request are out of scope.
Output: 8:17
